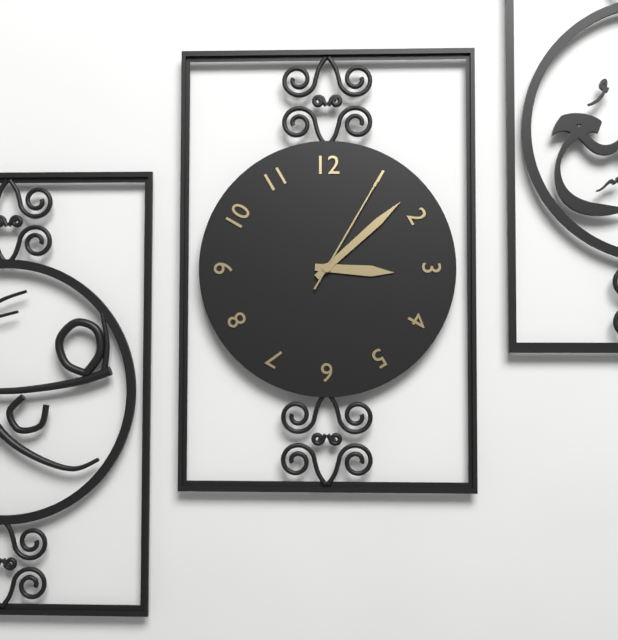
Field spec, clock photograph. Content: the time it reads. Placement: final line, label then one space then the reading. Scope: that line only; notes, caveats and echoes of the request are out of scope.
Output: 3:08:05
